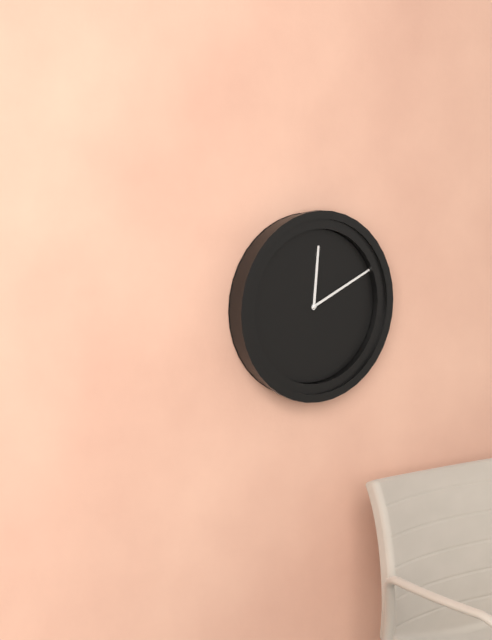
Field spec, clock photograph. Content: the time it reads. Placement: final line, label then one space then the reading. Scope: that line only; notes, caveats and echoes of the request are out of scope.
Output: 12:11
